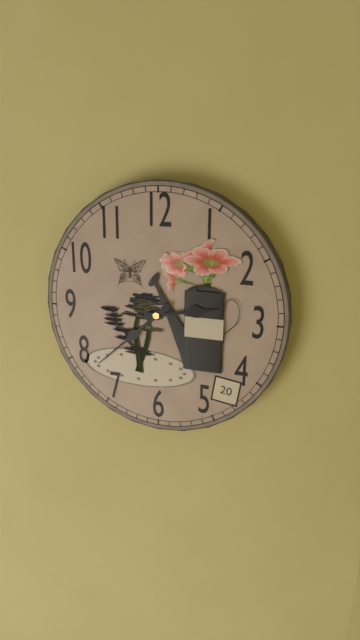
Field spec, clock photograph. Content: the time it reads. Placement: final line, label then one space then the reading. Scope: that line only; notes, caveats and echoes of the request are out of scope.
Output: 2:38
